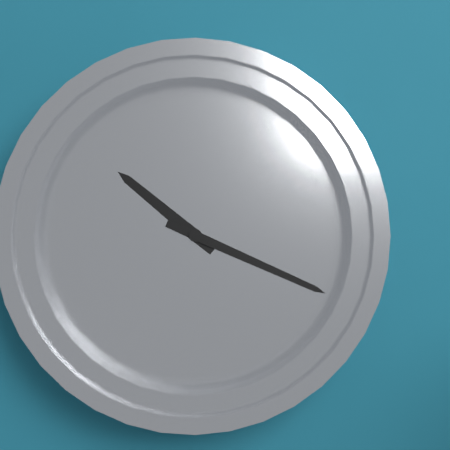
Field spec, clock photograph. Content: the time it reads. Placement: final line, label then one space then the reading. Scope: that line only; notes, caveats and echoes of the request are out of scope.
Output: 10:19
